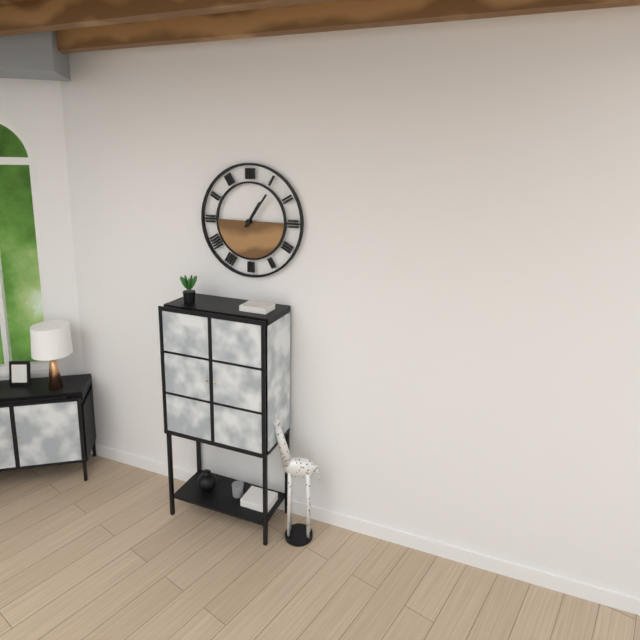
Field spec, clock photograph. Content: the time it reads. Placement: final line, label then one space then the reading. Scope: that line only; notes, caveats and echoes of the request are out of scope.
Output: 1:06
